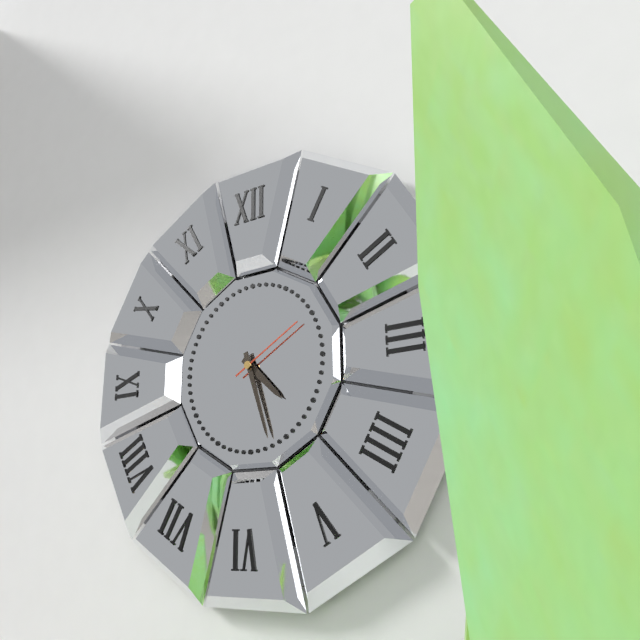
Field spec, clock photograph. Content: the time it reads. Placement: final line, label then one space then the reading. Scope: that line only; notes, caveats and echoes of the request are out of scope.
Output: 4:27:10
